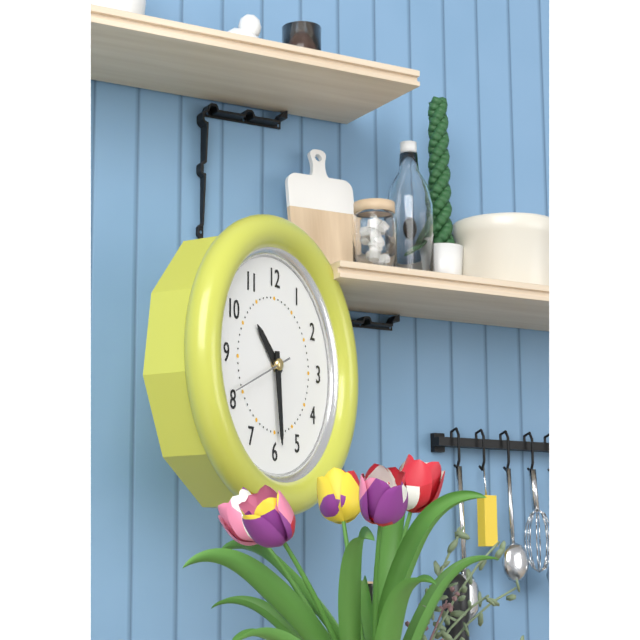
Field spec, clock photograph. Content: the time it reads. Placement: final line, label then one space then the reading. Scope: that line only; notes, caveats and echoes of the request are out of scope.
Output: 10:29
